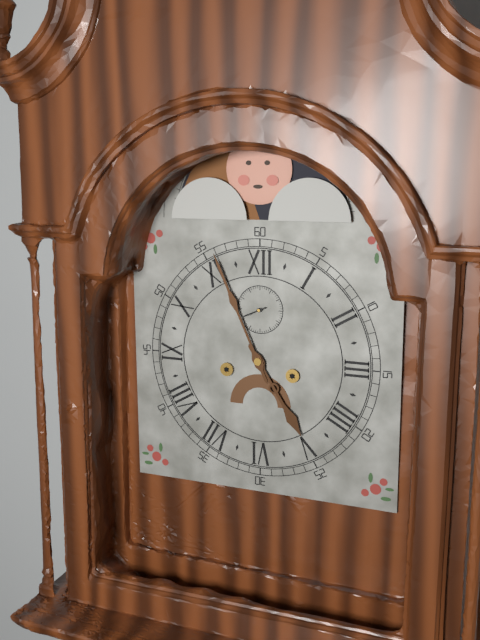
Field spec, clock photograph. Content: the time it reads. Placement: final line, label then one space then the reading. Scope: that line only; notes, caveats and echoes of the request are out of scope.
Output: 4:56
